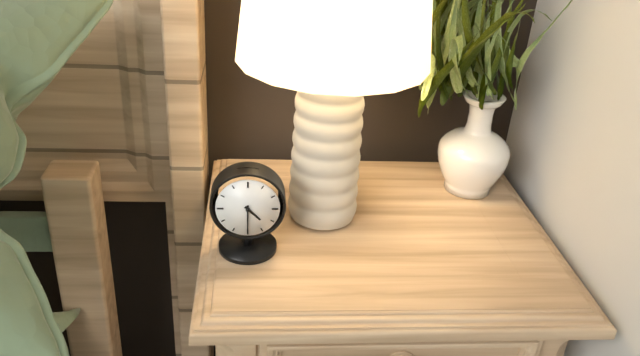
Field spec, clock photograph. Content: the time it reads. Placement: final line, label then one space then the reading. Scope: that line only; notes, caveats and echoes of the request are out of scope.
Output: 4:30
